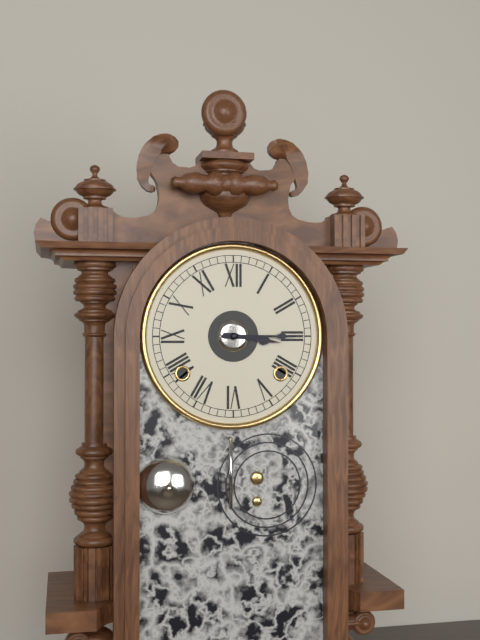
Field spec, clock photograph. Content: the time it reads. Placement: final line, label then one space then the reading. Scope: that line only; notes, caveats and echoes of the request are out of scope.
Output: 3:15
